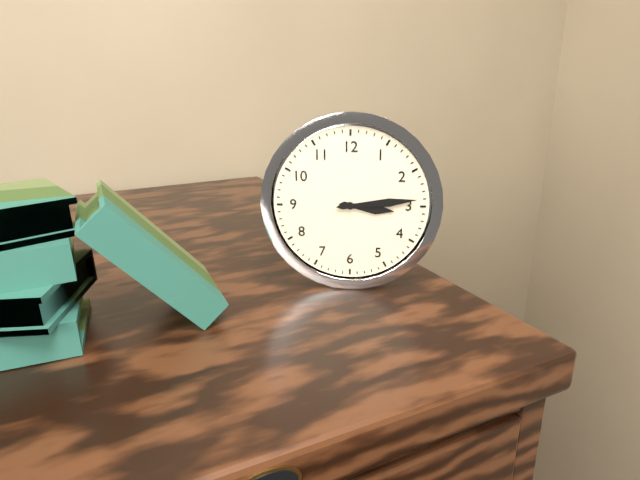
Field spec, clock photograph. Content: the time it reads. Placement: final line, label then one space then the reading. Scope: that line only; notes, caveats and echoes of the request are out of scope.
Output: 3:14
